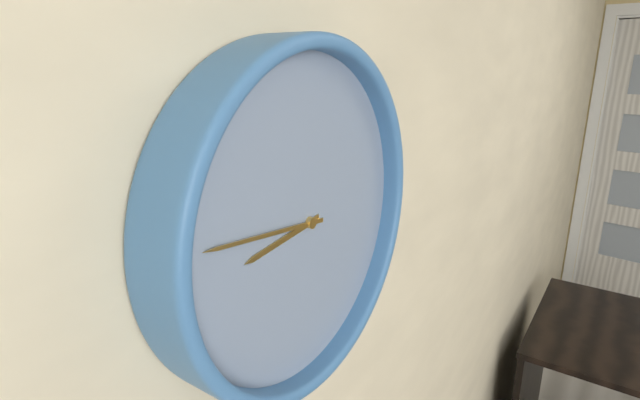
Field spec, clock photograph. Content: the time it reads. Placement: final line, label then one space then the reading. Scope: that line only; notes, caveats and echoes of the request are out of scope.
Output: 8:46
